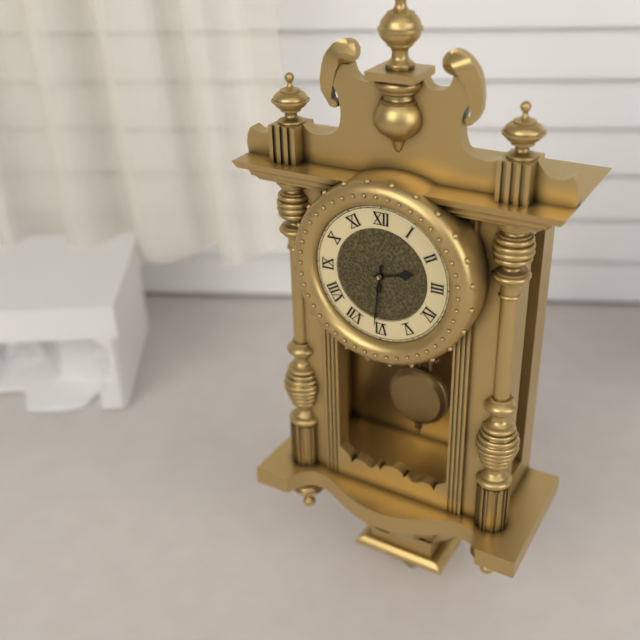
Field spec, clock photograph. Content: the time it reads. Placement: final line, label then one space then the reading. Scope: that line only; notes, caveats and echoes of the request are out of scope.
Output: 2:31
